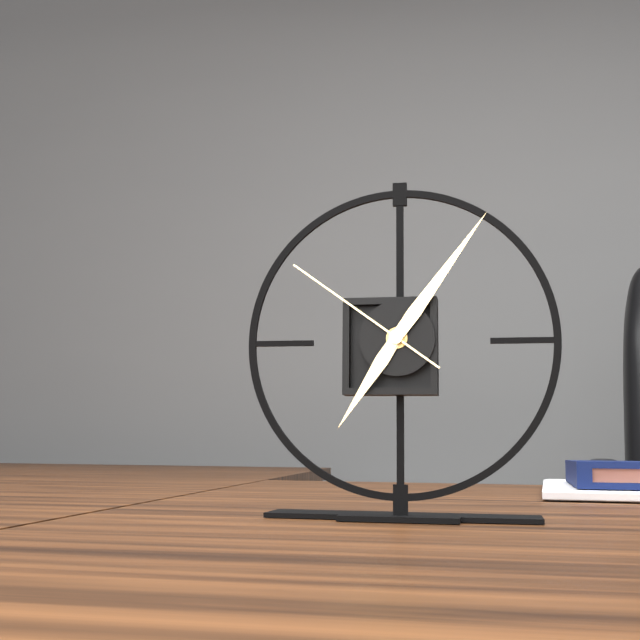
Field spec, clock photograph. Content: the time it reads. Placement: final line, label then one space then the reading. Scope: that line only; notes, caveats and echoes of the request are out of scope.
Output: 7:06:51
